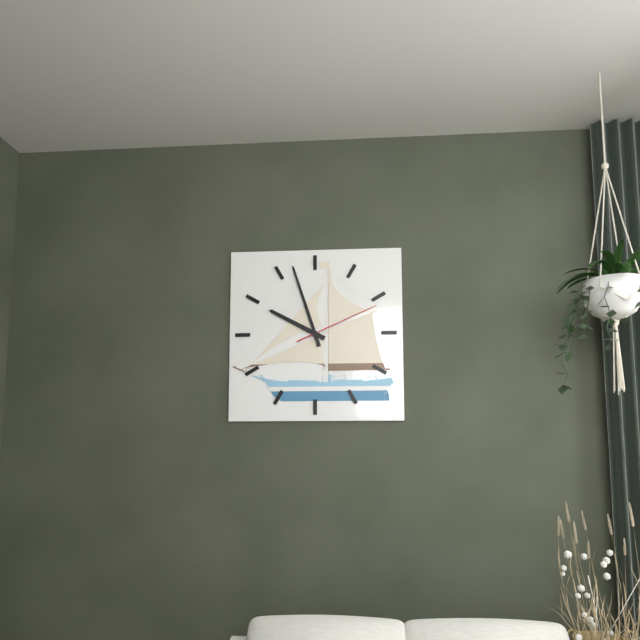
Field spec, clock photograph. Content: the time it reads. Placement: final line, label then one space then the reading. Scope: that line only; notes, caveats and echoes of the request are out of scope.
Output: 9:57:11
